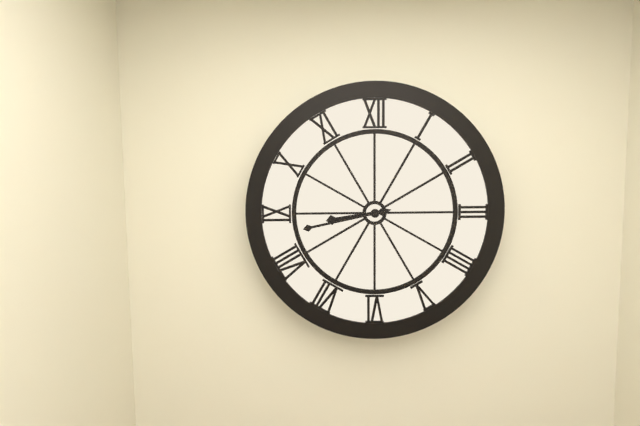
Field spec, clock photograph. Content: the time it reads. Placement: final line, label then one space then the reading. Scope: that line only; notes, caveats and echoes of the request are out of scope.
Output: 8:43
